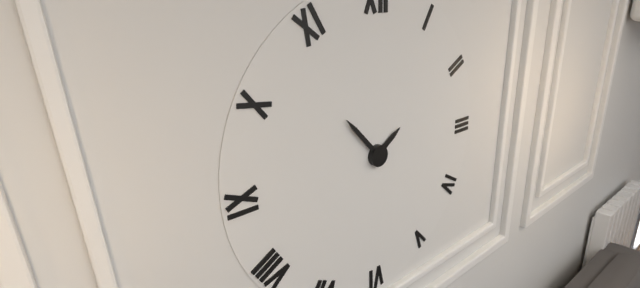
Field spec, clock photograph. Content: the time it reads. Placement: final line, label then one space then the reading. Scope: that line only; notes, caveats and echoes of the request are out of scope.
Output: 1:53
